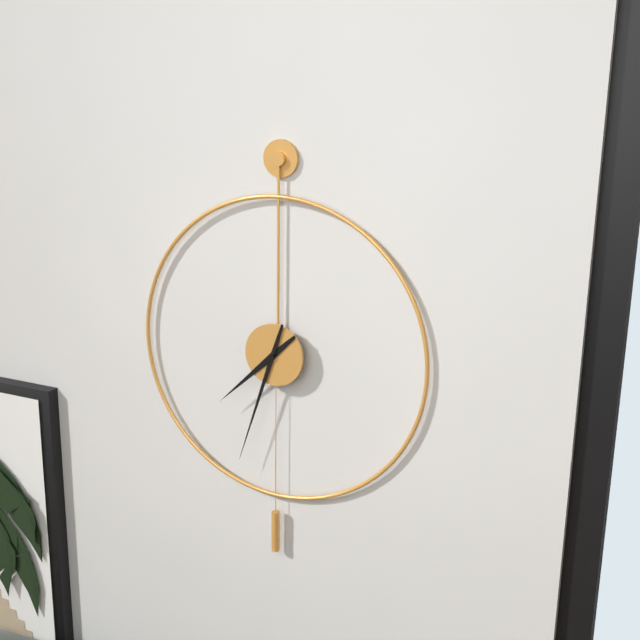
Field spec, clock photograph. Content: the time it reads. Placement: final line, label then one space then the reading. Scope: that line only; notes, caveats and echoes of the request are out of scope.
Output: 7:33
